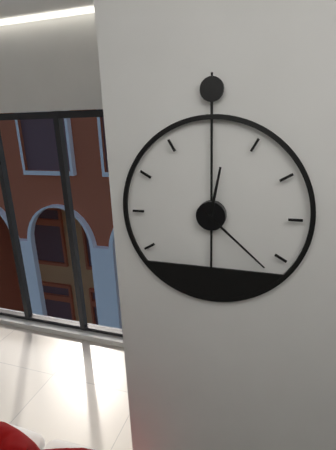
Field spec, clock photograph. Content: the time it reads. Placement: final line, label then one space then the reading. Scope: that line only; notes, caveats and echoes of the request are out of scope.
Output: 12:22
